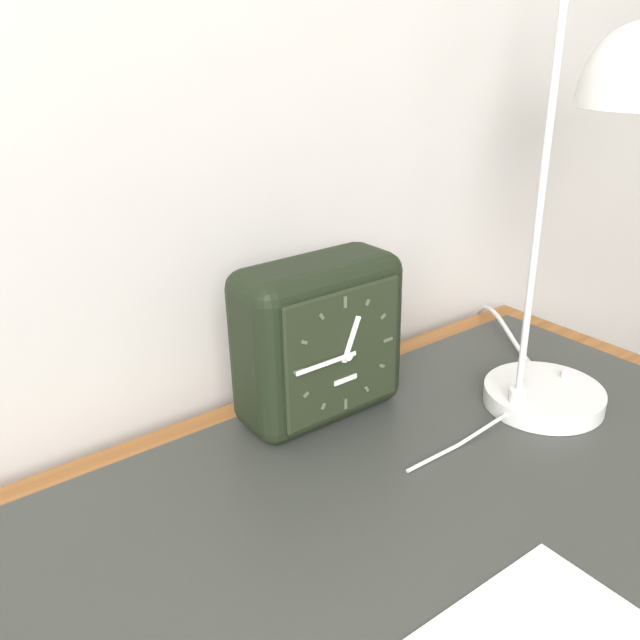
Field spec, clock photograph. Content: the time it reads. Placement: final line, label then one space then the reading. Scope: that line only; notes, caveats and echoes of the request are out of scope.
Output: 12:45
